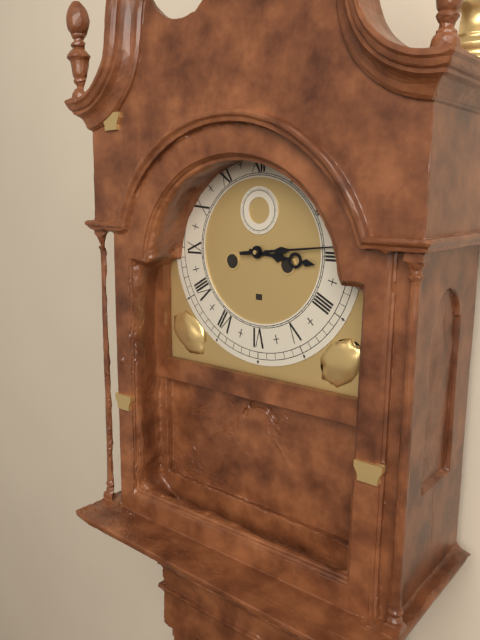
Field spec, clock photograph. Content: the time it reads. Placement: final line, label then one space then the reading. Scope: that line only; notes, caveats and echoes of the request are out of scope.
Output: 3:14
